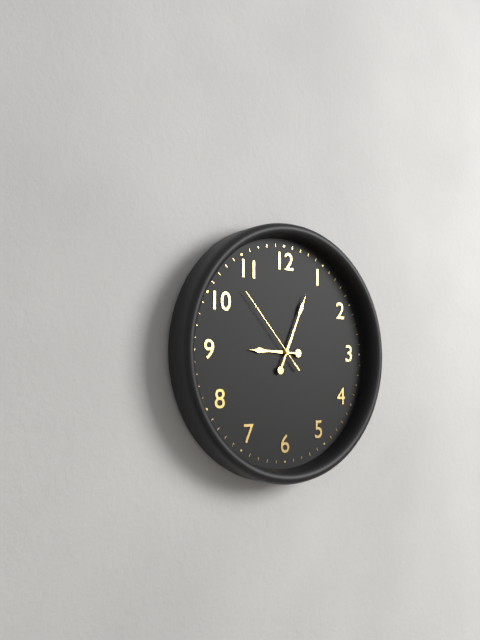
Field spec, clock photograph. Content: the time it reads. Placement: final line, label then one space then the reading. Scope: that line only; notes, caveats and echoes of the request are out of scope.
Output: 9:04:53
